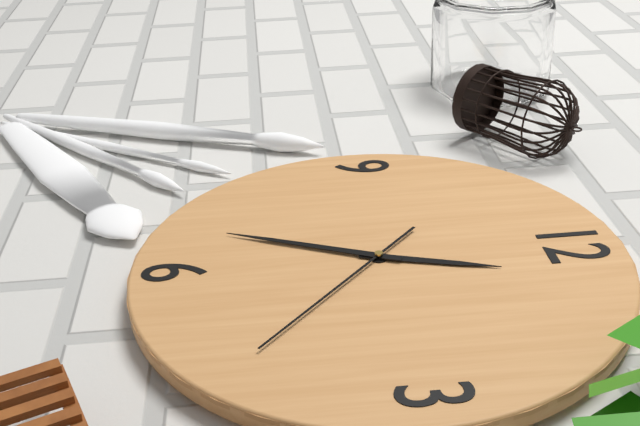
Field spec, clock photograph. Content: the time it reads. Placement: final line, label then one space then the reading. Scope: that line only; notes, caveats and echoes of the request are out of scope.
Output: 12:34:22
